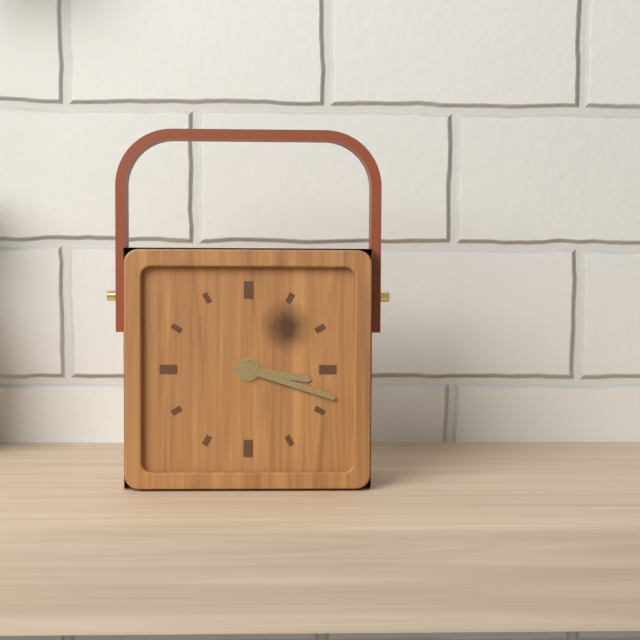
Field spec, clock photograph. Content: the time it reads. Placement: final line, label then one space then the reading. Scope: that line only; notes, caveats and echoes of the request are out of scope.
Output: 3:18
